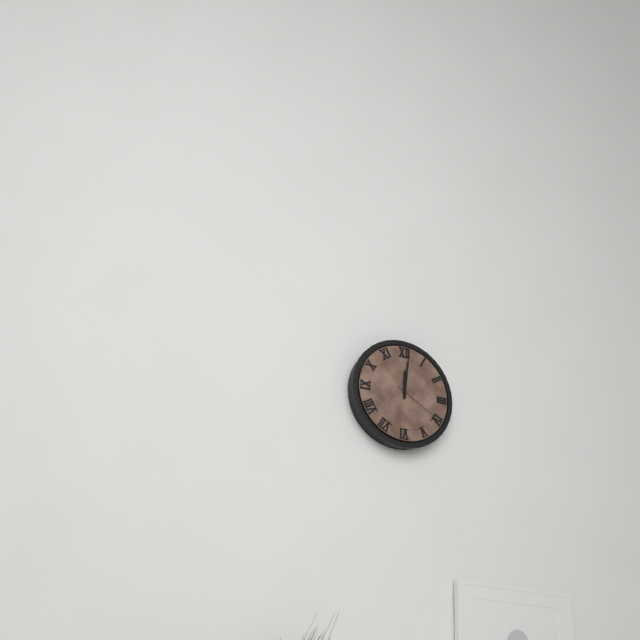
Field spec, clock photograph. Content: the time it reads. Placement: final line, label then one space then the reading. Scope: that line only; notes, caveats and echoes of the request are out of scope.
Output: 12:01:20
